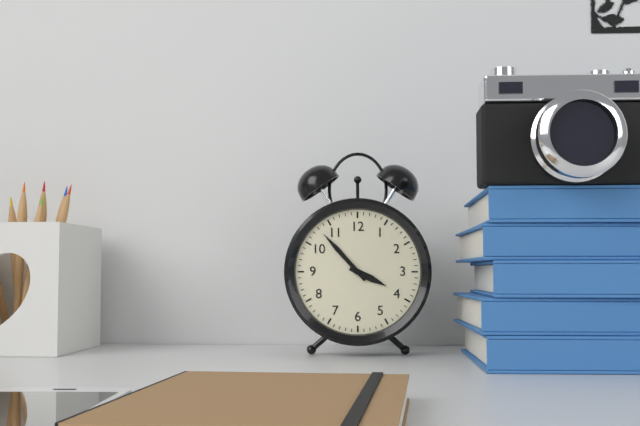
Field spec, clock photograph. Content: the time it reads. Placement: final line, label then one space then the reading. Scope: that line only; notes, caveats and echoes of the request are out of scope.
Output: 3:53
